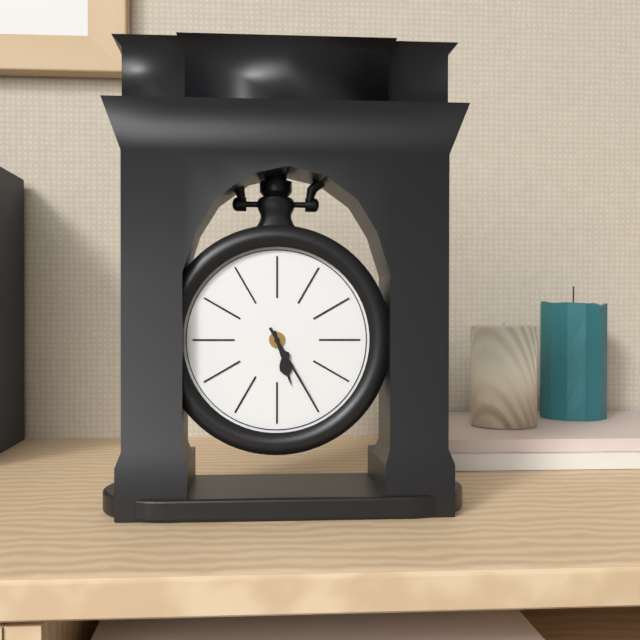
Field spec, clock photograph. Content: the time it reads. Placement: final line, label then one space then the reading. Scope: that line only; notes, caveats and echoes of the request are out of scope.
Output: 5:25
